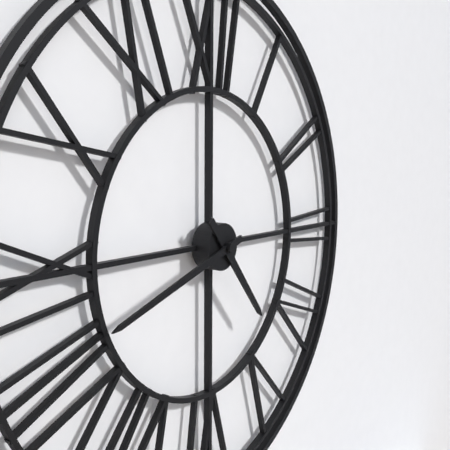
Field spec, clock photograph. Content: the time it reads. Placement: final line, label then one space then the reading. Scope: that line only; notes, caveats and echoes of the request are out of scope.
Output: 4:42
